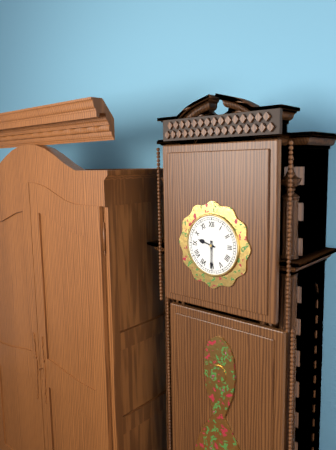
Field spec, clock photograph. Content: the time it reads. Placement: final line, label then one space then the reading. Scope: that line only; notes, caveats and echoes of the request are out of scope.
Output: 9:30
